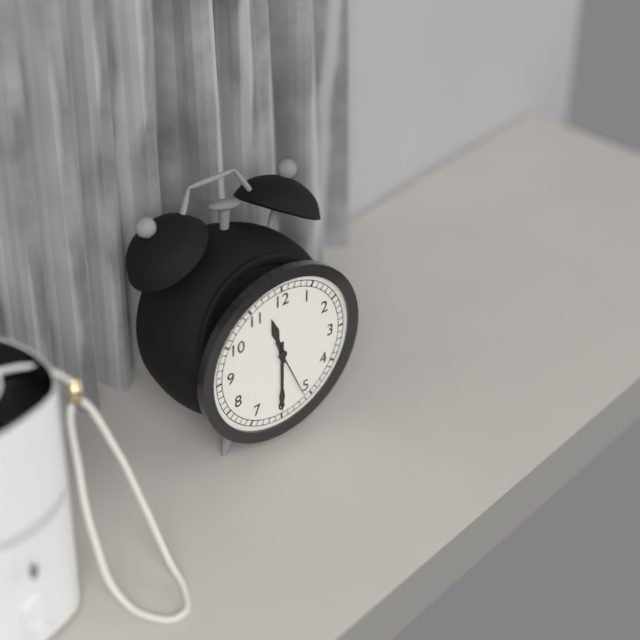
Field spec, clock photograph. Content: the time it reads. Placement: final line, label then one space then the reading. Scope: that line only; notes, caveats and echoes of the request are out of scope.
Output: 11:30:26
